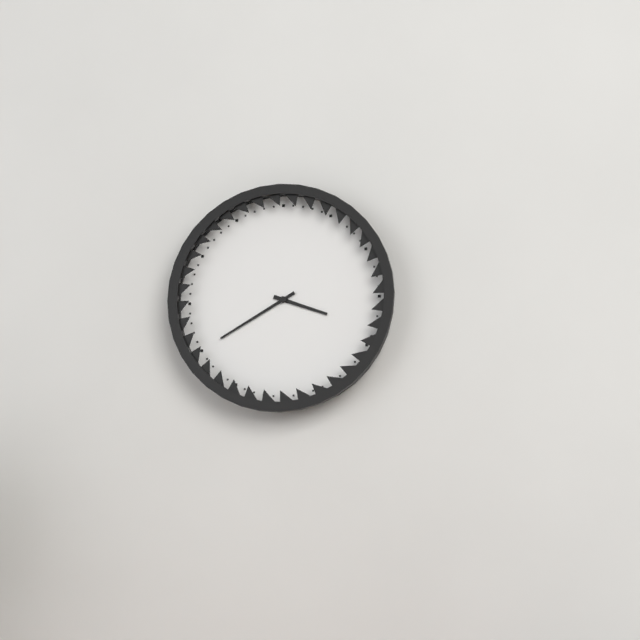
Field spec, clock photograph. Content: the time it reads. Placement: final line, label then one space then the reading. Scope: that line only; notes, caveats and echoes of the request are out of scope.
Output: 3:40
